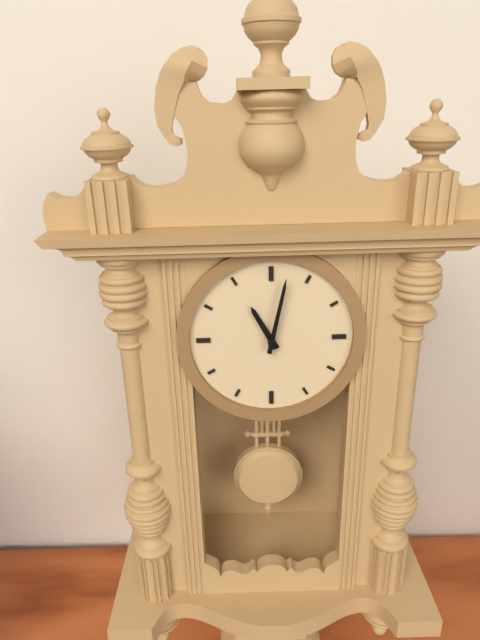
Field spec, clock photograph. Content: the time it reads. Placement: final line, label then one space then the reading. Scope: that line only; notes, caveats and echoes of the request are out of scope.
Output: 11:02
